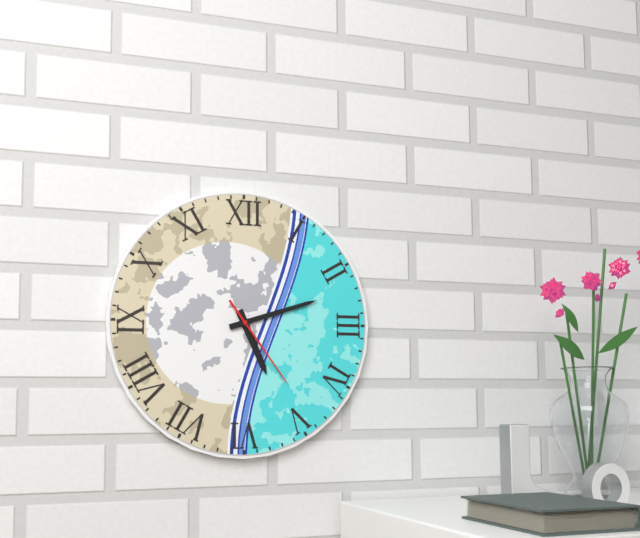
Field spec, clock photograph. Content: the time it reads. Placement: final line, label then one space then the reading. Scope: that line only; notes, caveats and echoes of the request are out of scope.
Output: 5:12:24
